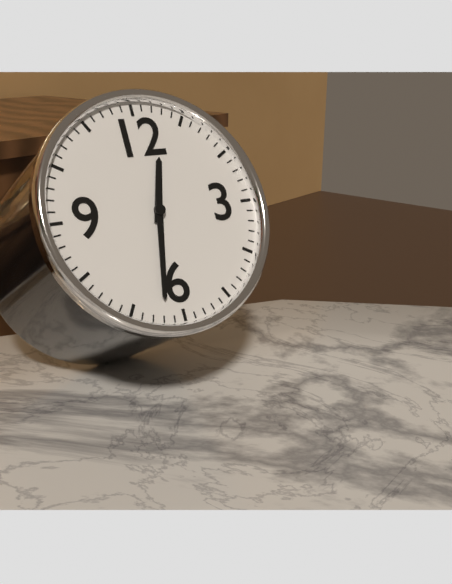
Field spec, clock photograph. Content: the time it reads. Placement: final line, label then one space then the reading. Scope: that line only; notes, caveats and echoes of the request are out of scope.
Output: 12:32
